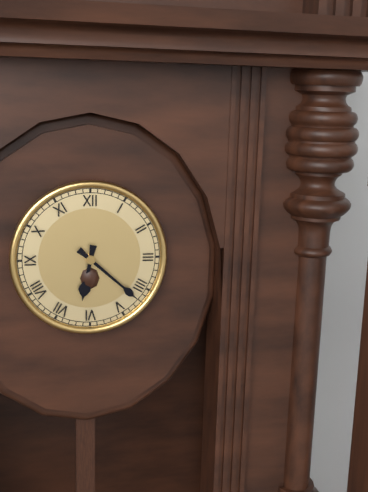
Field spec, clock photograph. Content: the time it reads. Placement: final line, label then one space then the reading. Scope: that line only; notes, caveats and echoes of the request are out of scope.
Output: 6:22
